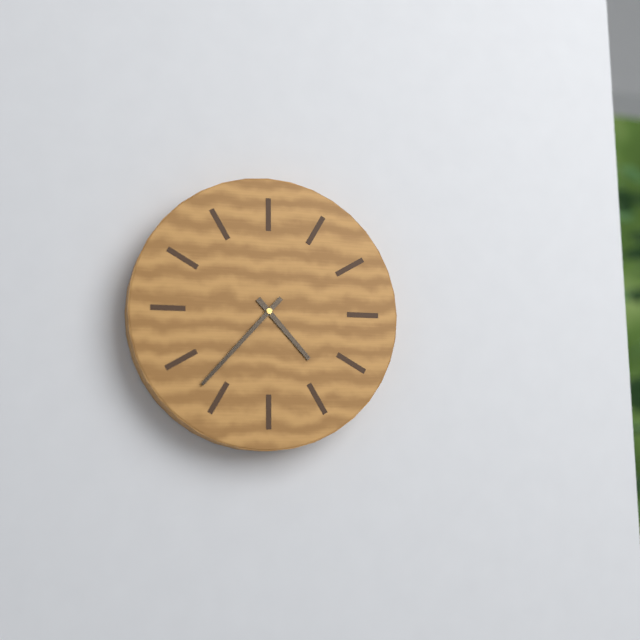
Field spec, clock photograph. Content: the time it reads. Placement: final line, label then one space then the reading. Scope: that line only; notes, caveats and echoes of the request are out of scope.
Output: 4:37
